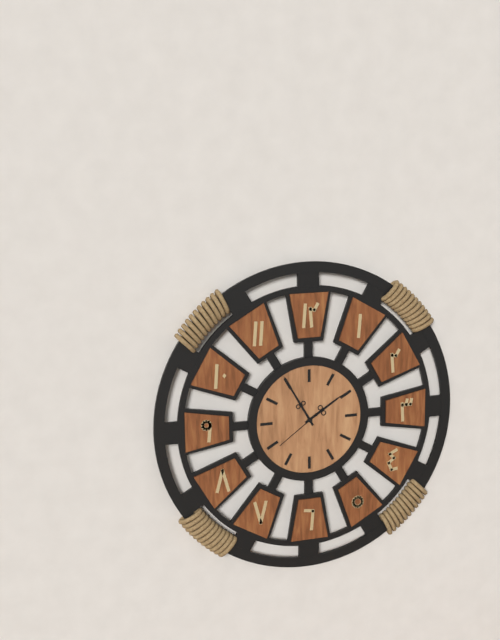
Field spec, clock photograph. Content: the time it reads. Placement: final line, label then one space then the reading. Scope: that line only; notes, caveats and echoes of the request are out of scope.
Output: 1:55
